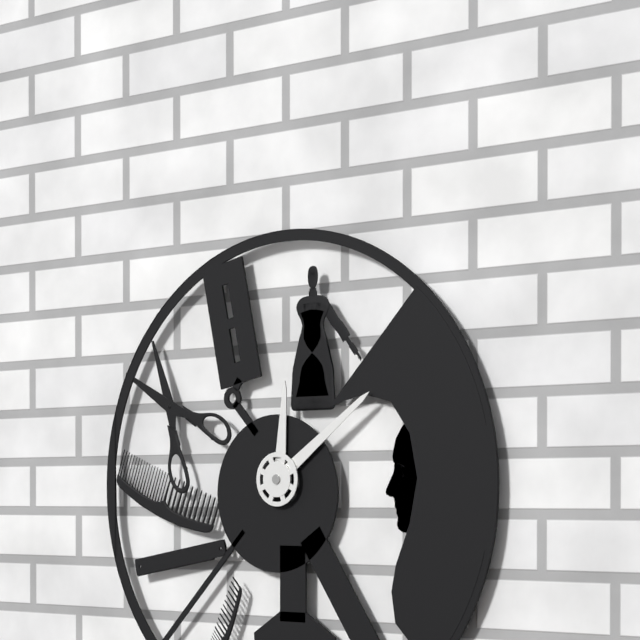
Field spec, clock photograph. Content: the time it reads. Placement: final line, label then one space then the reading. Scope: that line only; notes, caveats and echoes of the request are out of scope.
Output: 12:09
